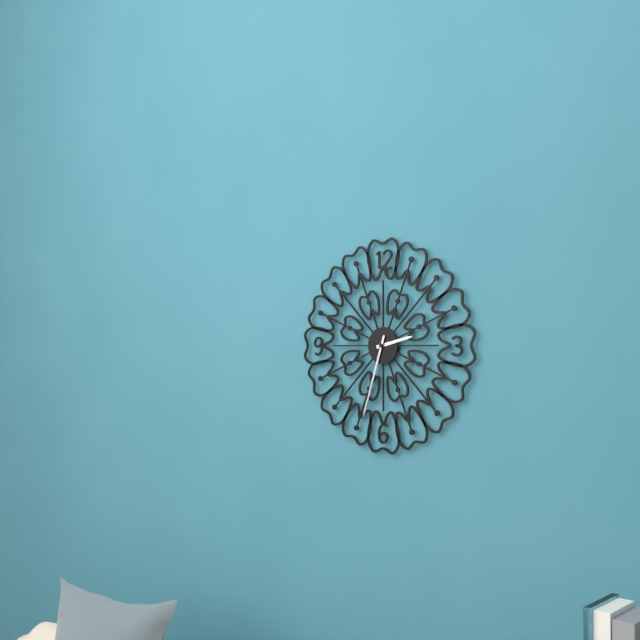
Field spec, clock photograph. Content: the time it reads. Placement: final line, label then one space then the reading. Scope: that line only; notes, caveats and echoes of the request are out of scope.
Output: 2:33
